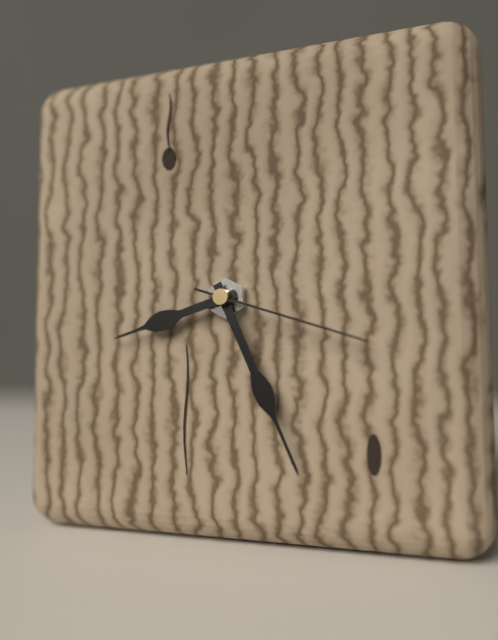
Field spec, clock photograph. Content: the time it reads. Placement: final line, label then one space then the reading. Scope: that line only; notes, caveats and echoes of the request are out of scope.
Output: 8:26:18
